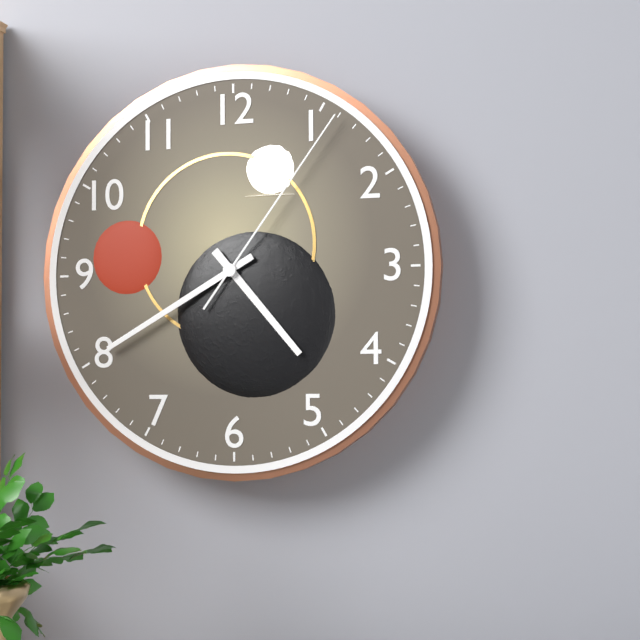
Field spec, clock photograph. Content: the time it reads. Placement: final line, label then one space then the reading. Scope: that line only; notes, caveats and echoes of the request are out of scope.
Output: 4:40:06
